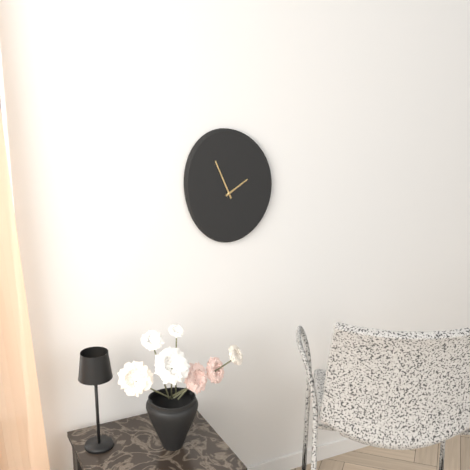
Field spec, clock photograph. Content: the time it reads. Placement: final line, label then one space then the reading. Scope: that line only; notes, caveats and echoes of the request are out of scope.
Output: 1:56
